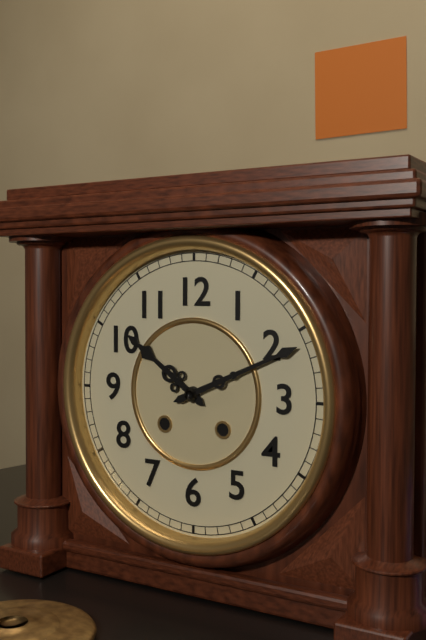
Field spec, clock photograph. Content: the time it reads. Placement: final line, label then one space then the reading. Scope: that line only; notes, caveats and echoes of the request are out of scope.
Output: 10:11
